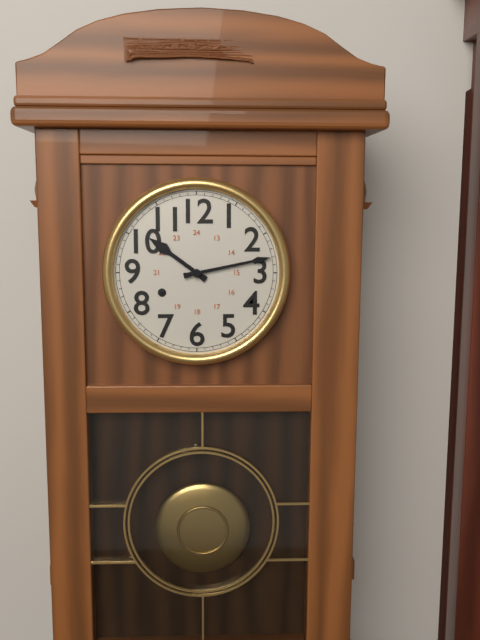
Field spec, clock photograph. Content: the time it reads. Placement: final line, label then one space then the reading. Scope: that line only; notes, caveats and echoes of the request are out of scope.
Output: 10:13
